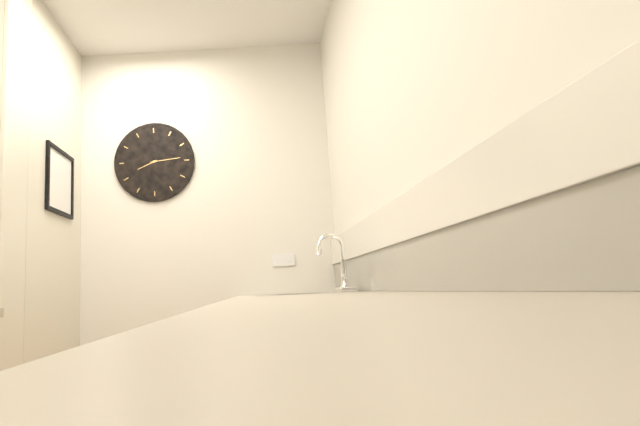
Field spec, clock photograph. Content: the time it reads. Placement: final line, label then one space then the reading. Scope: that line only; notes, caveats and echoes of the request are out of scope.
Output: 8:14
